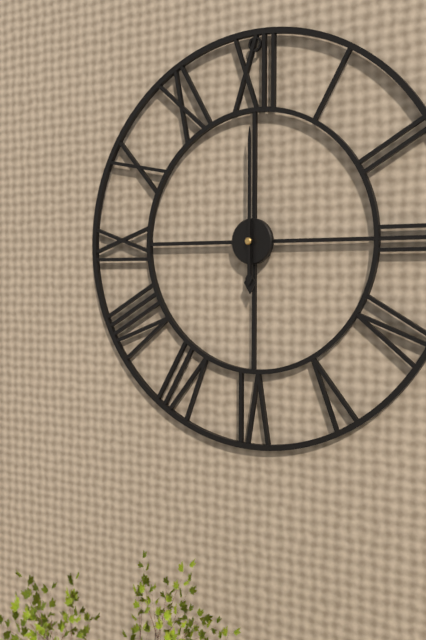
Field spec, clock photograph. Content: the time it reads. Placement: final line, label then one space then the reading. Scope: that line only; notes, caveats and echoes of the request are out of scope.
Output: 6:00
